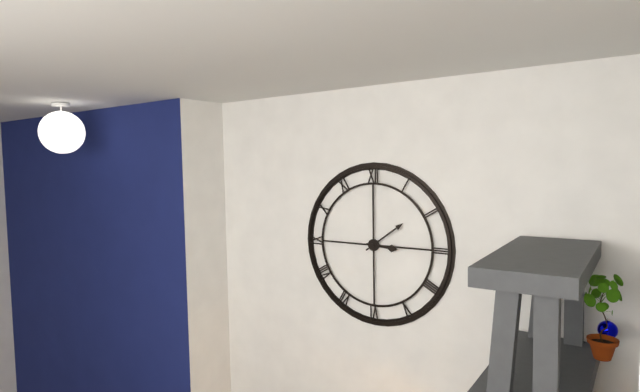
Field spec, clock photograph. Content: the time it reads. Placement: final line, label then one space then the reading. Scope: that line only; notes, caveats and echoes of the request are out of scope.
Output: 3:09
